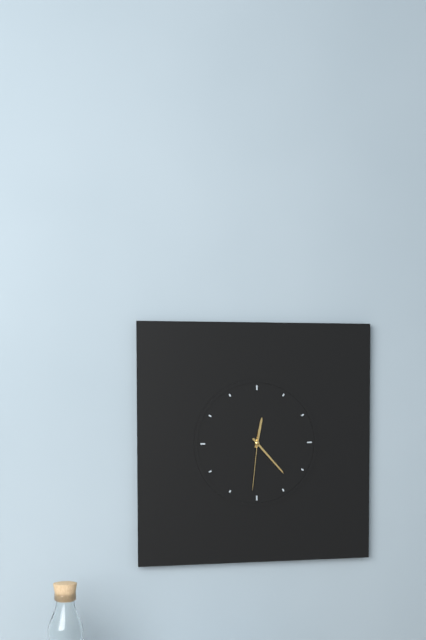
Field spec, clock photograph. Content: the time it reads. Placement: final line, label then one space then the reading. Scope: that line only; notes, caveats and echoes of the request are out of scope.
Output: 12:23:31
